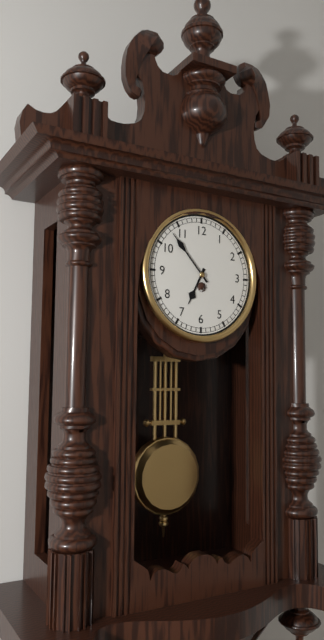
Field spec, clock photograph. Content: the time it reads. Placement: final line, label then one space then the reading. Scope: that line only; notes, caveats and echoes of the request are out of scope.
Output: 6:53
